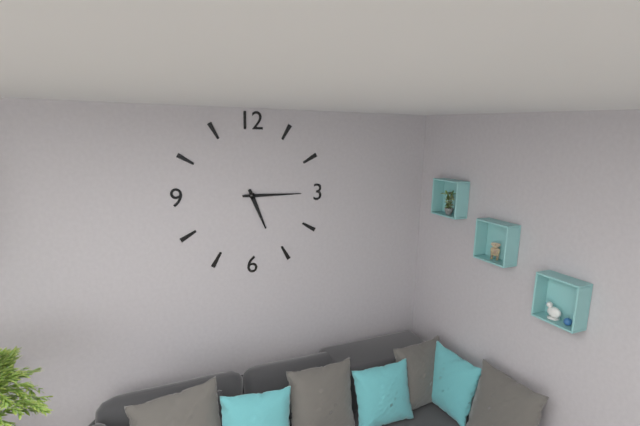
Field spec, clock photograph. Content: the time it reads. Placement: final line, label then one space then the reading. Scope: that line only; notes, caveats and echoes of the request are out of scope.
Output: 5:15
